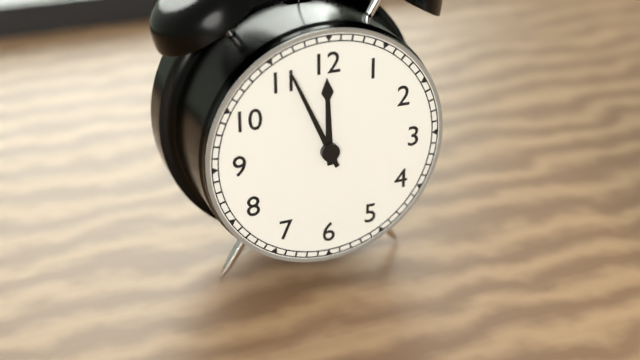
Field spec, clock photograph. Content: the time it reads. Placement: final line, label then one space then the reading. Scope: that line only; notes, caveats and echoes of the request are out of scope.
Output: 11:56
